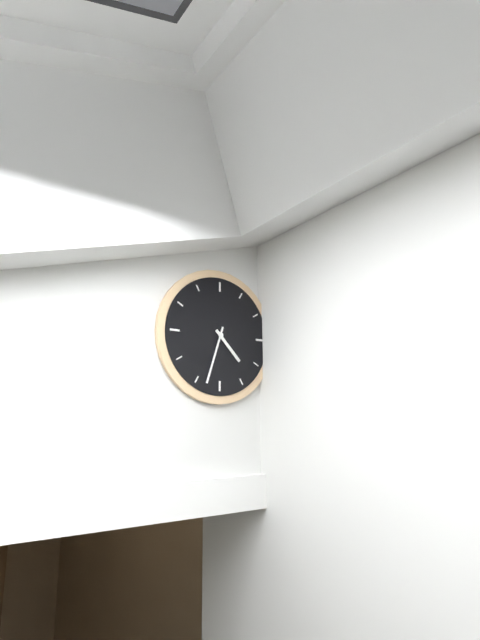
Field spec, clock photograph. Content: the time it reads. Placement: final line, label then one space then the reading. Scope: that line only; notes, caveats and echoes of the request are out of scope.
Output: 4:33
